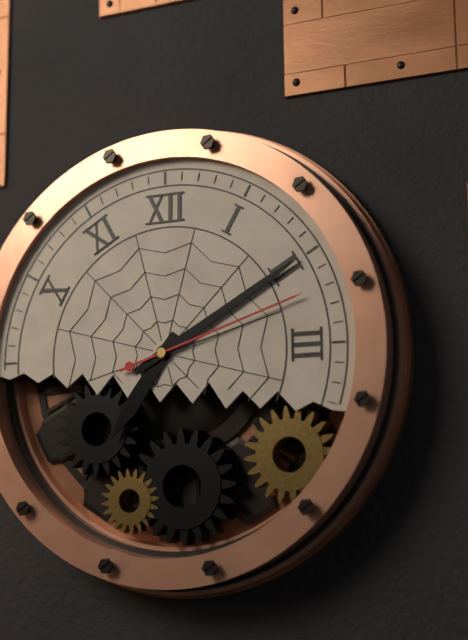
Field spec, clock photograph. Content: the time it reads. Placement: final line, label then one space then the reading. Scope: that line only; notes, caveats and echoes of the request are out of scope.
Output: 7:10:12
